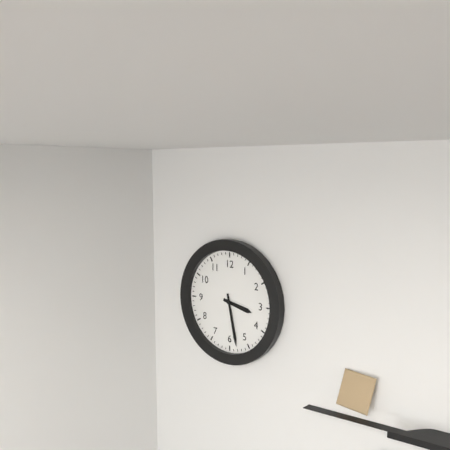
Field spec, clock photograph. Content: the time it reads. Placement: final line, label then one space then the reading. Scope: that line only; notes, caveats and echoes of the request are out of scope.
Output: 3:28
